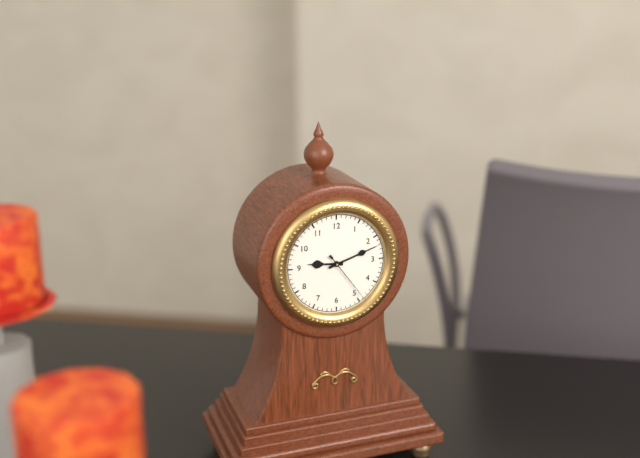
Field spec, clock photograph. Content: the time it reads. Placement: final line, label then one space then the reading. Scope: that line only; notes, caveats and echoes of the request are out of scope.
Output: 9:12:24
